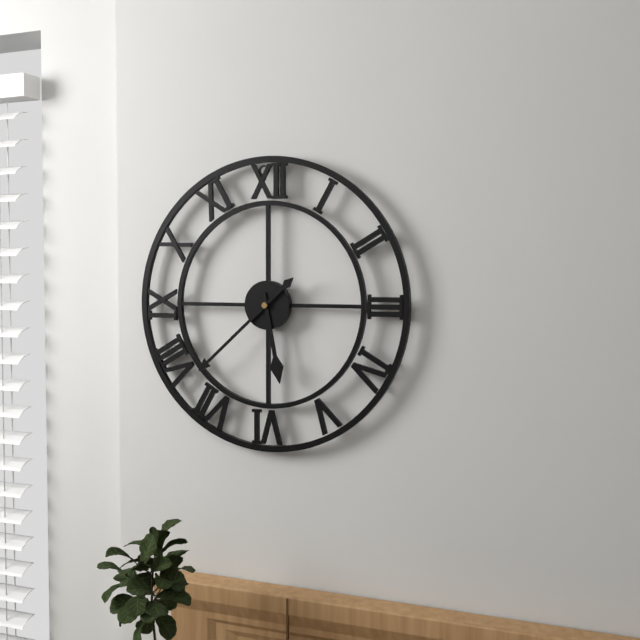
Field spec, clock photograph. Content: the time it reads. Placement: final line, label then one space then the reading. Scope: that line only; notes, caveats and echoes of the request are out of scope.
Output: 5:38
